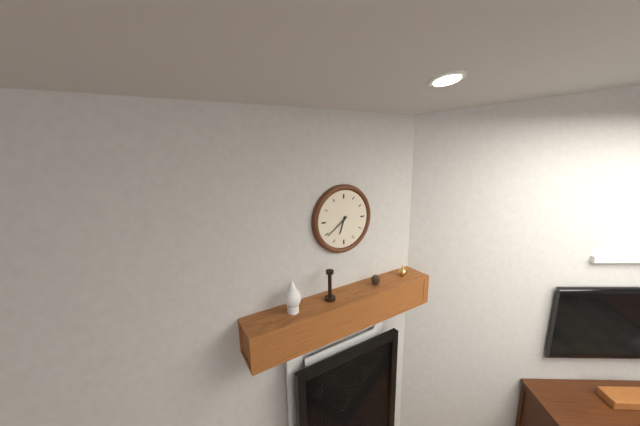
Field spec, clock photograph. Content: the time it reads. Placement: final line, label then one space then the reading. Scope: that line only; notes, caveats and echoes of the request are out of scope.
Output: 6:39
